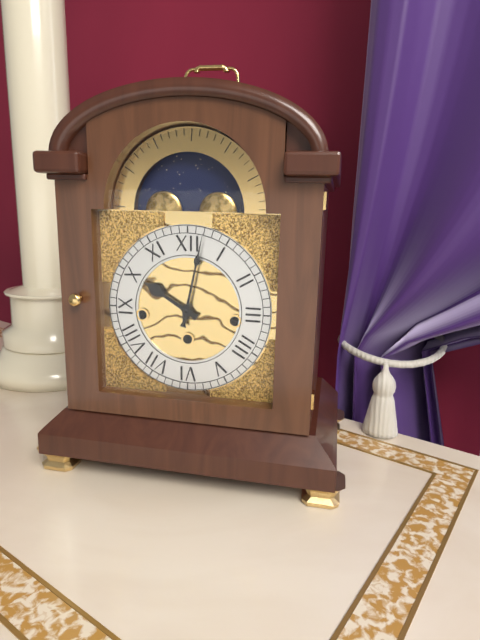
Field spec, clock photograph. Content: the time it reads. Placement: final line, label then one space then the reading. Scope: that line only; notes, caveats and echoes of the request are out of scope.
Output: 10:02
